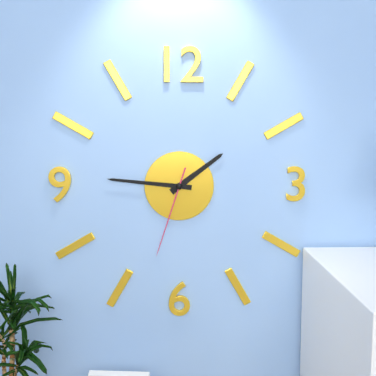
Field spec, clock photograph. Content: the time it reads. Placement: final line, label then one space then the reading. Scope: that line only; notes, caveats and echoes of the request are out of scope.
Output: 1:46:33
